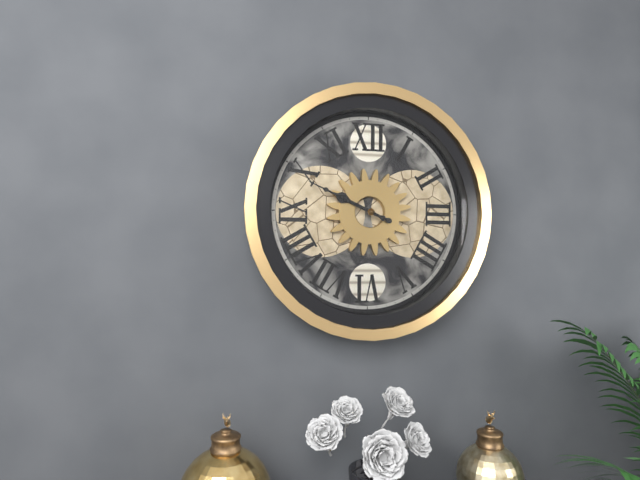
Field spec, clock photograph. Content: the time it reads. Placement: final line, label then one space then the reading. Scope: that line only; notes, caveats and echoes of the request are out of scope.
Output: 9:49
